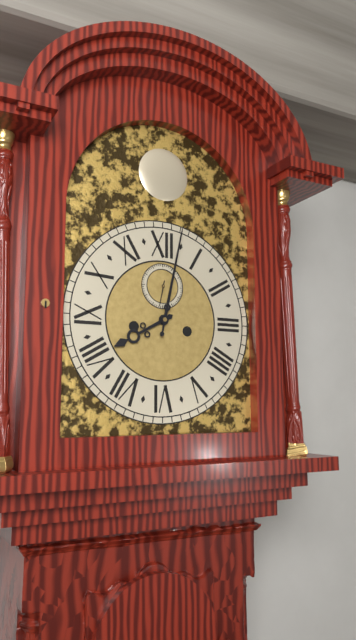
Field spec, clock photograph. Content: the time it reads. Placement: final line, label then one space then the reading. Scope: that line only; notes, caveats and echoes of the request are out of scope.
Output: 8:02
